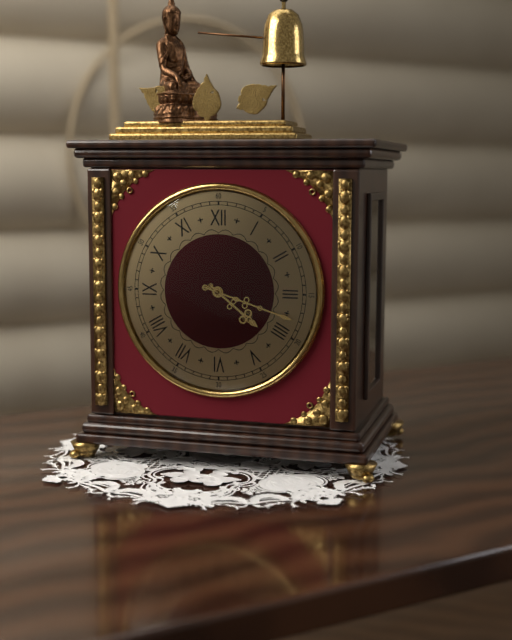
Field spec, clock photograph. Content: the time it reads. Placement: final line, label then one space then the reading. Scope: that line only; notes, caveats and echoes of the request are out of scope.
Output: 4:18
